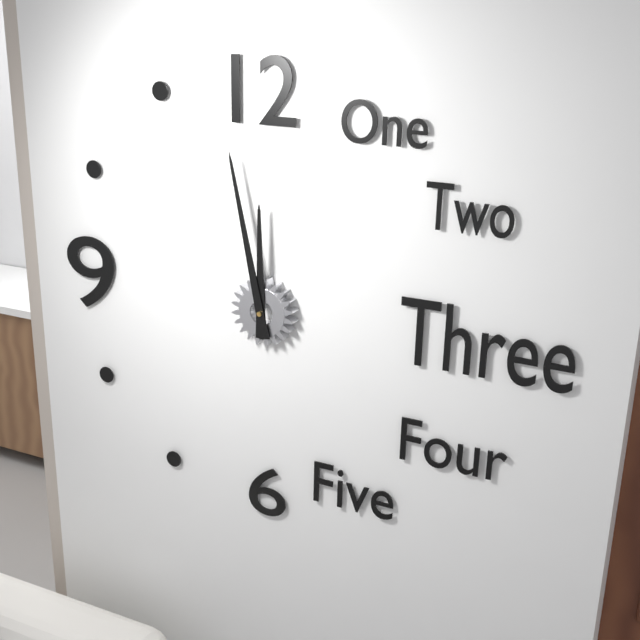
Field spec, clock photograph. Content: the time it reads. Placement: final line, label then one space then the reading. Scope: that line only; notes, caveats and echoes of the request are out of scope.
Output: 11:58
